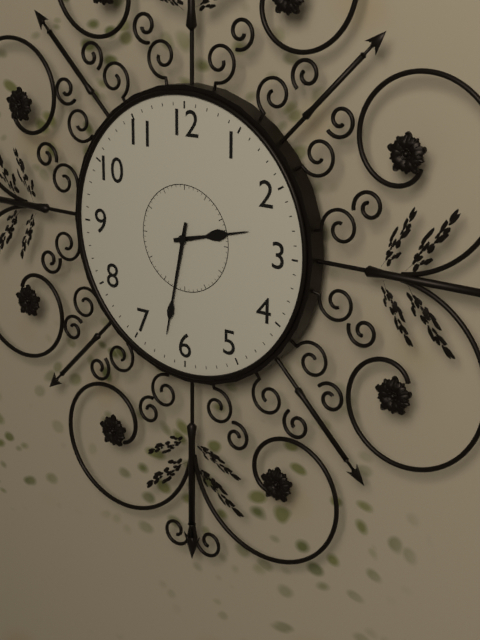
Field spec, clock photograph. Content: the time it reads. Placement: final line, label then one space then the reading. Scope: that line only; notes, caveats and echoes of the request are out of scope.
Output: 2:32
